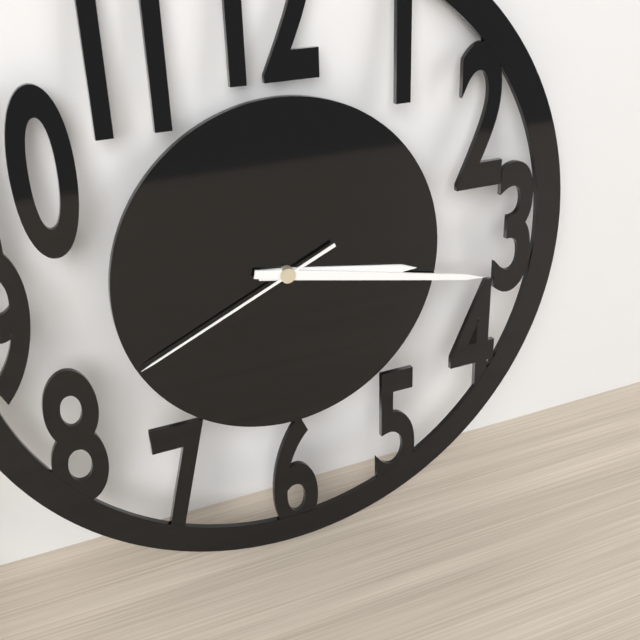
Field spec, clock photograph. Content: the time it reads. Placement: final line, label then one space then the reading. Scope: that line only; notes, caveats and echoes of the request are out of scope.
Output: 3:17:41
